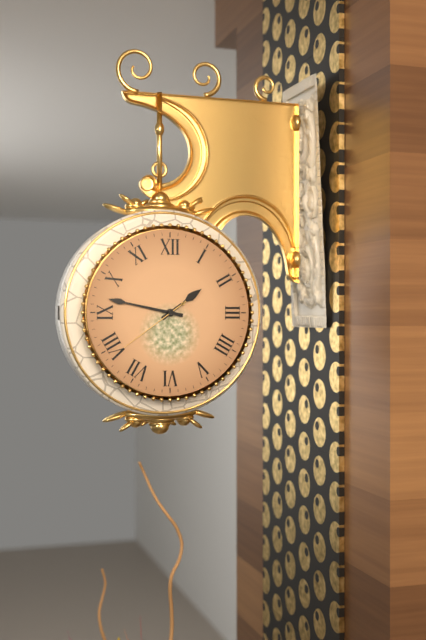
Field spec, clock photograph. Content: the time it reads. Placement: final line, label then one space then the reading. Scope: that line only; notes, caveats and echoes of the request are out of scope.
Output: 1:47:39
